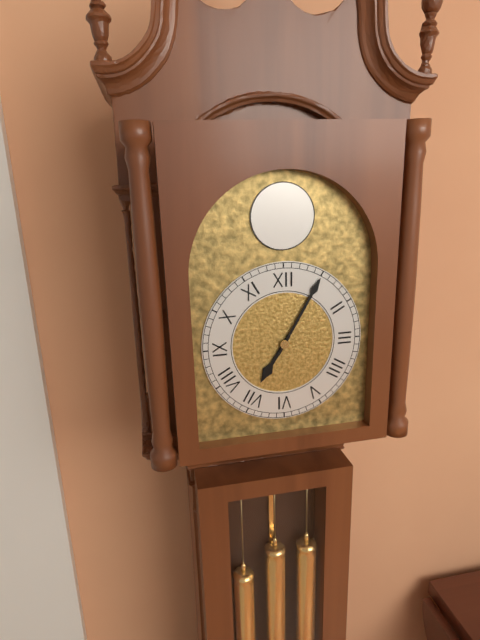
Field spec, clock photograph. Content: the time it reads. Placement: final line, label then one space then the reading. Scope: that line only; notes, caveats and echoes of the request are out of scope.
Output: 7:05
